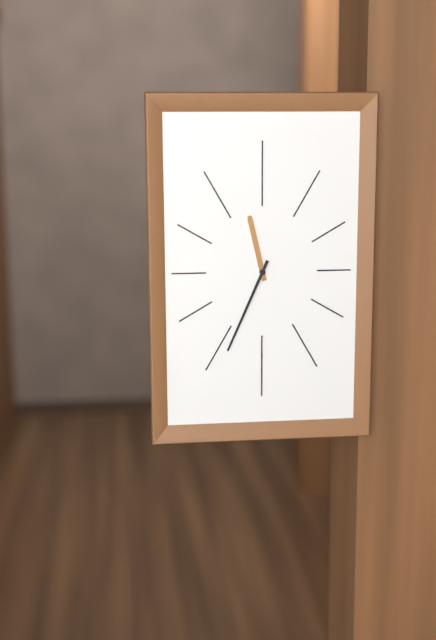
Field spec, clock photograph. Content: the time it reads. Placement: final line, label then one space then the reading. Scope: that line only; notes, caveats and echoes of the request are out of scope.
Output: 11:34
